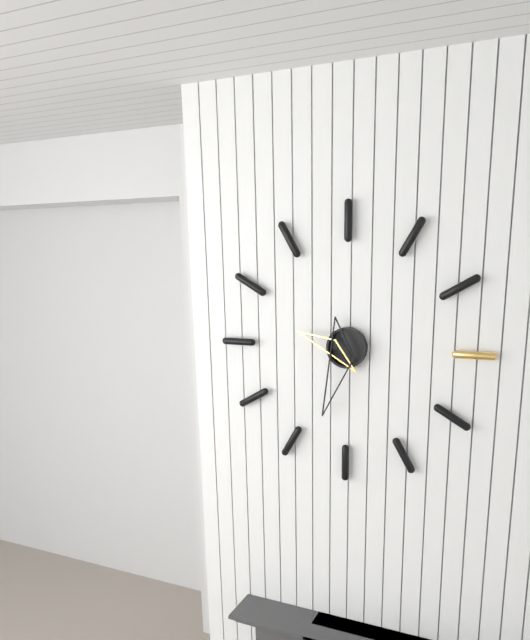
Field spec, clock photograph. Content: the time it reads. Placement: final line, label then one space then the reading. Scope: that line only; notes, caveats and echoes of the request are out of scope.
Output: 9:33
